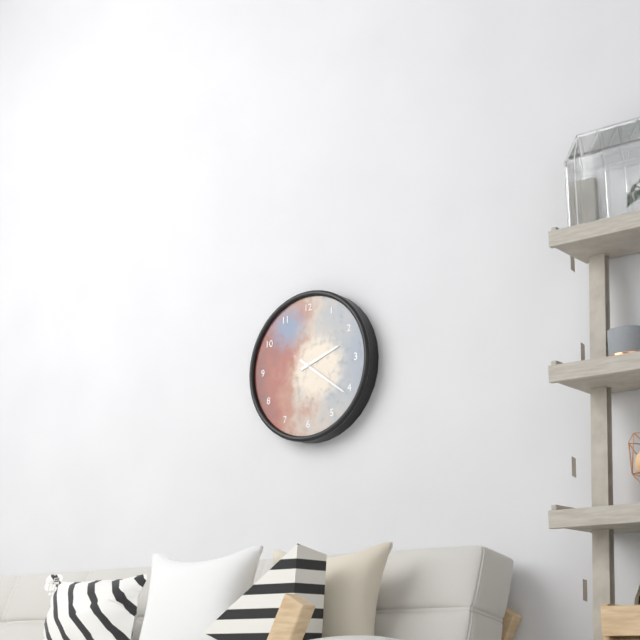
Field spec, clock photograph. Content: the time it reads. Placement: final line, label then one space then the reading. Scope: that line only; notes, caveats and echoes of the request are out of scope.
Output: 2:21
